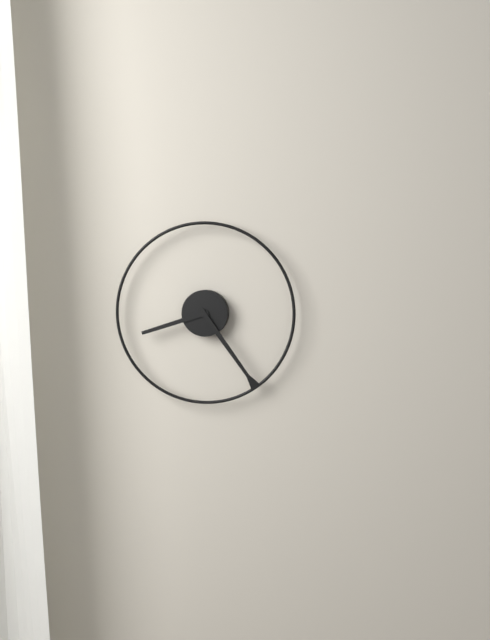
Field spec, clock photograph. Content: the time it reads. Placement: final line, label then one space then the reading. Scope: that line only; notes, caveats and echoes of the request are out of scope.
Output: 8:24
